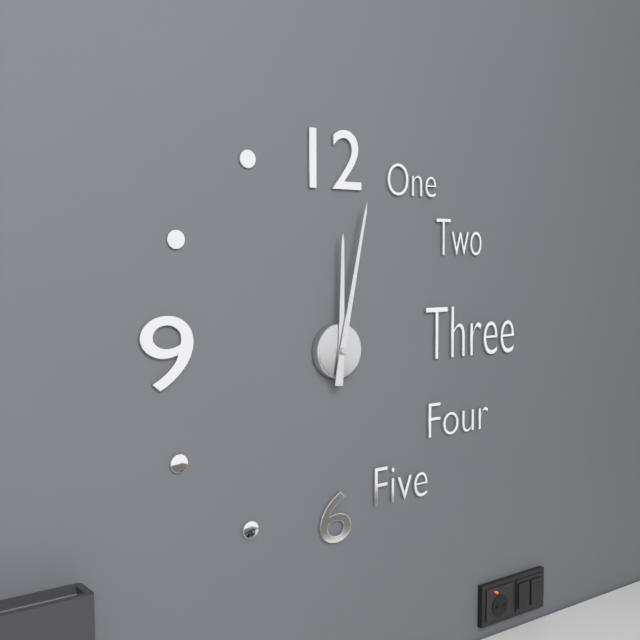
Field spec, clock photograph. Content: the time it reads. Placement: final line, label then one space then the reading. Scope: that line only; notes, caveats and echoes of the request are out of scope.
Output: 12:02
